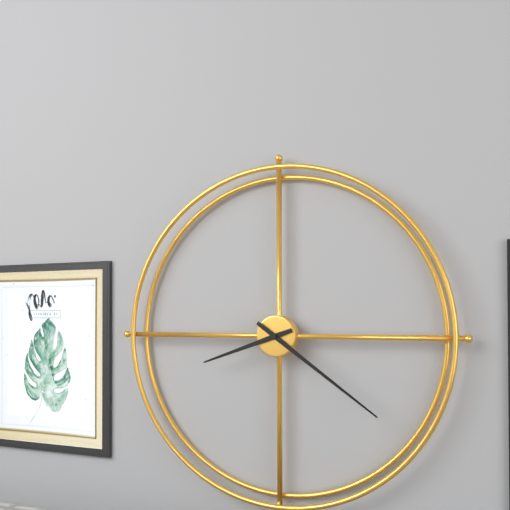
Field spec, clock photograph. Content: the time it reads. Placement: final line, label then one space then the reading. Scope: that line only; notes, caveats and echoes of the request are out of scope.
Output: 8:21
